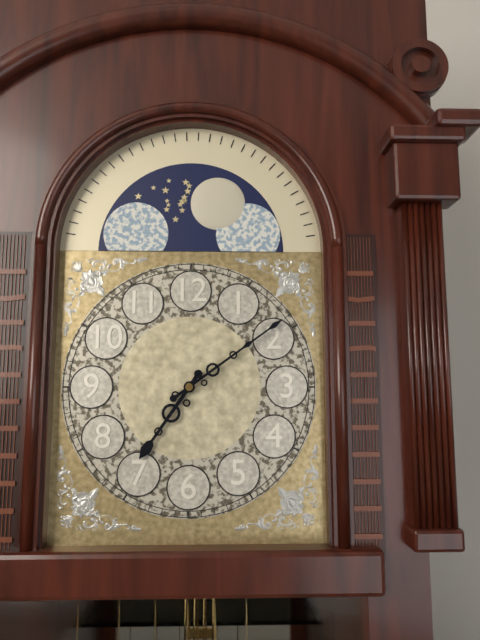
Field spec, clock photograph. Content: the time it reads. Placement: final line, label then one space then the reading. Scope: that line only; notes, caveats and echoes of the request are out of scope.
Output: 7:09
